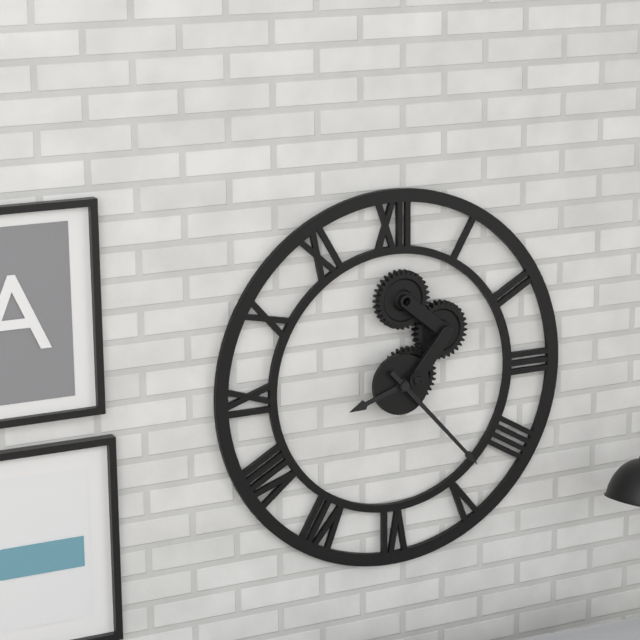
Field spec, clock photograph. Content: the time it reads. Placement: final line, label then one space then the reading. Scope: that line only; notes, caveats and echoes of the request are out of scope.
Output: 8:23
